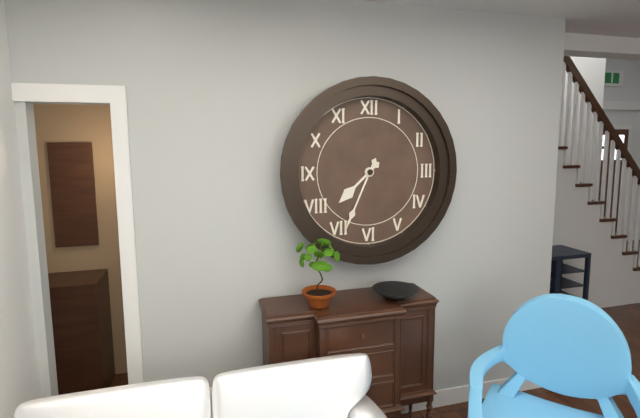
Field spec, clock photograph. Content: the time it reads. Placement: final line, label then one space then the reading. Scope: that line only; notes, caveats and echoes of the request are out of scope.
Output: 7:34
